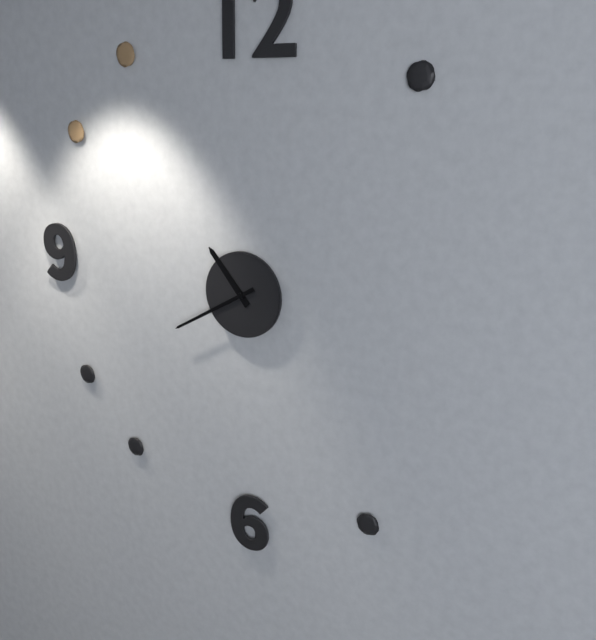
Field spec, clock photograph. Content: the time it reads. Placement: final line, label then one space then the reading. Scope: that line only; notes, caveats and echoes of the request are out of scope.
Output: 10:40
